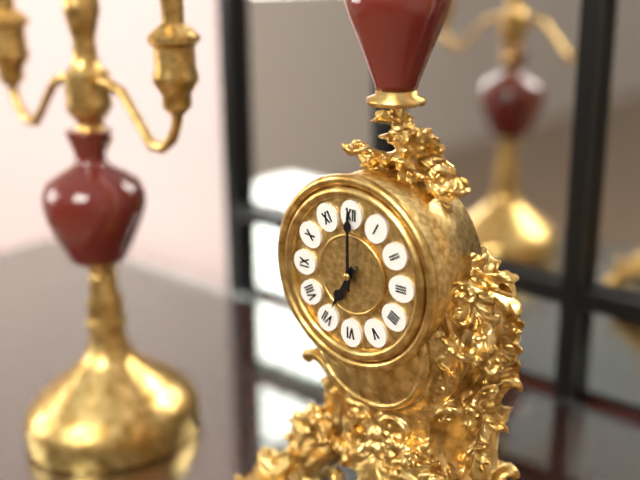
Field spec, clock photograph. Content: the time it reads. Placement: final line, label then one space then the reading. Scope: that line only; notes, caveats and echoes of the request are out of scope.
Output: 7:00
